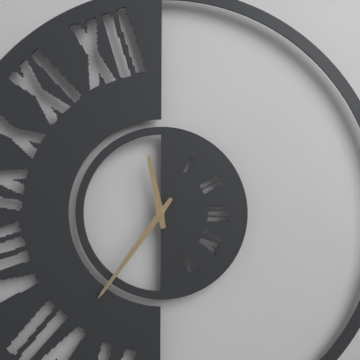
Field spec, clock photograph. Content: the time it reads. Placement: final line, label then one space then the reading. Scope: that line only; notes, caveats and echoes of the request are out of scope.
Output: 11:36
